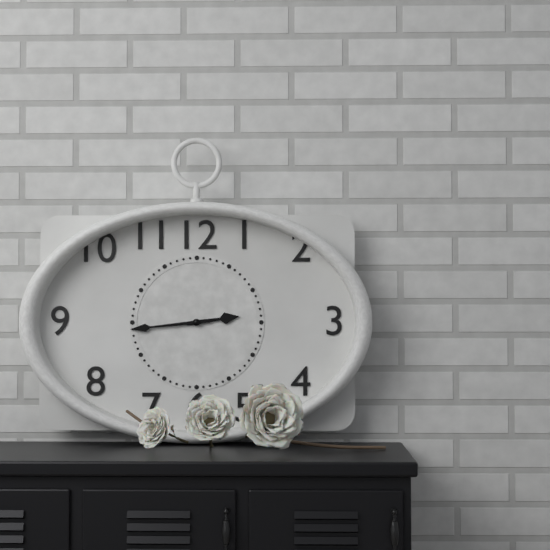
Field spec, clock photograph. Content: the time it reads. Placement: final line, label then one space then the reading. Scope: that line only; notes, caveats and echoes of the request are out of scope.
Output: 2:44
